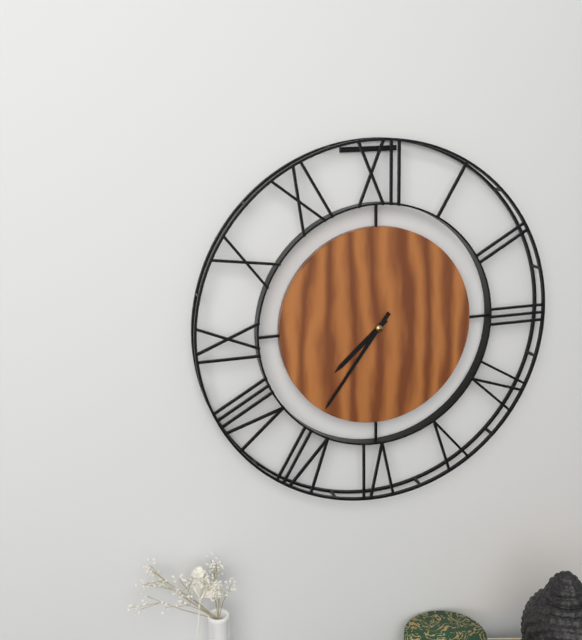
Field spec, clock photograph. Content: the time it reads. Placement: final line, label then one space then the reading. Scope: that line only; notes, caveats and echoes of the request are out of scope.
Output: 7:36
